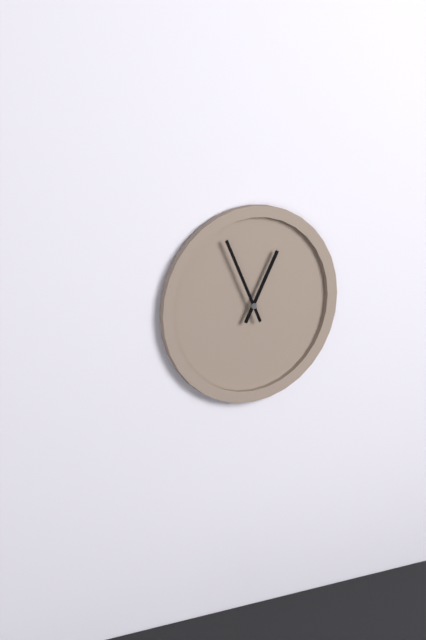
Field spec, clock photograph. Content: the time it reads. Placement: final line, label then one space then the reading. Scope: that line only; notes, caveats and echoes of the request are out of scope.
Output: 12:56
